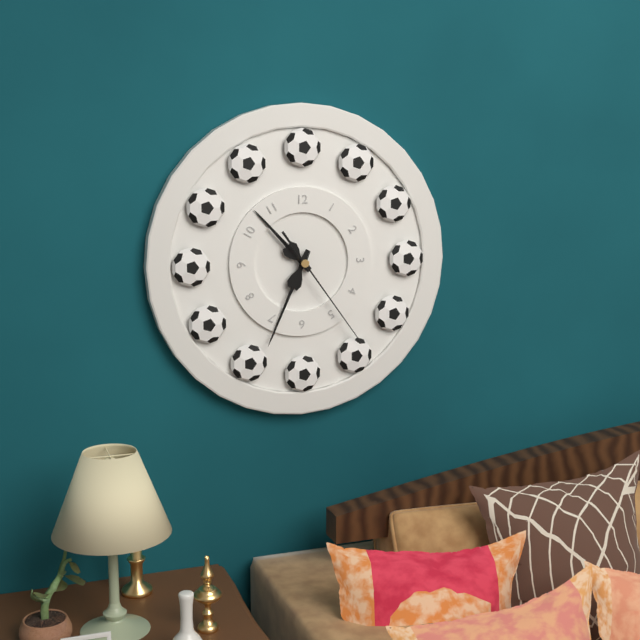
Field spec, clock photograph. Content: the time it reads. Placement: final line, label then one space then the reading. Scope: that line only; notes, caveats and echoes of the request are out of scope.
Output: 10:34:24
